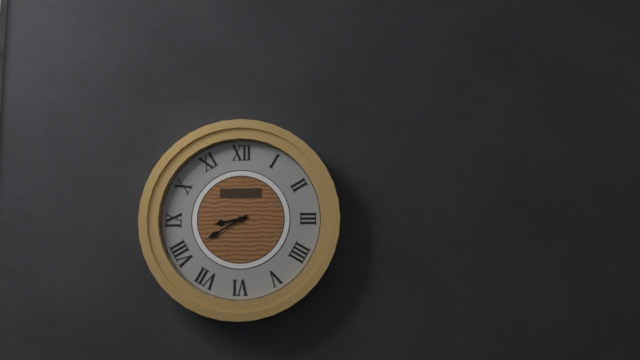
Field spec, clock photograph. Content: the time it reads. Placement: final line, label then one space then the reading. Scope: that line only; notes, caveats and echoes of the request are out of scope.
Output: 8:40
